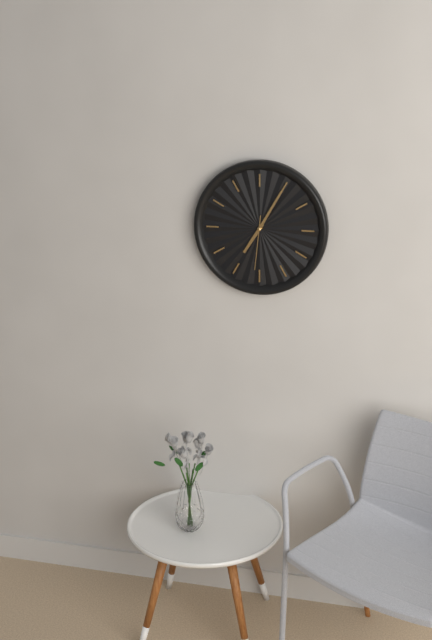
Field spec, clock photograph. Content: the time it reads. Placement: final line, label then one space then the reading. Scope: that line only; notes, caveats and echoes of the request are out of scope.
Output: 7:05:31
